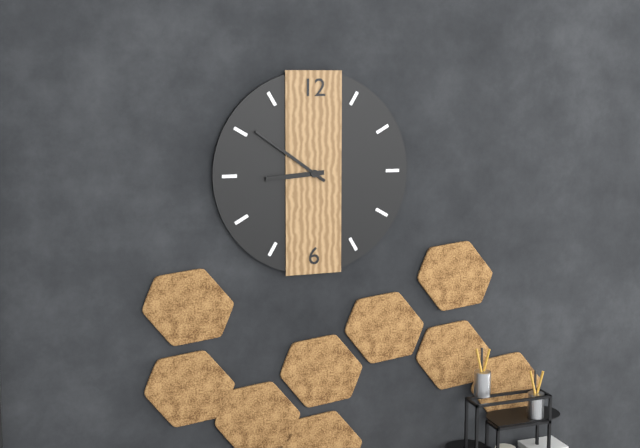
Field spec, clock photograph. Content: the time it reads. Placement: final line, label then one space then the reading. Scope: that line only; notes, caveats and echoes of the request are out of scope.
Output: 8:51
